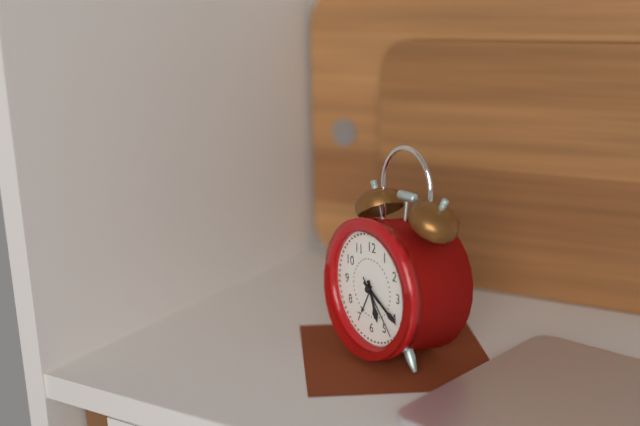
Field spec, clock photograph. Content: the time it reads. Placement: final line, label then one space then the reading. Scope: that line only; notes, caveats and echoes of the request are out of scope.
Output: 5:20:23
